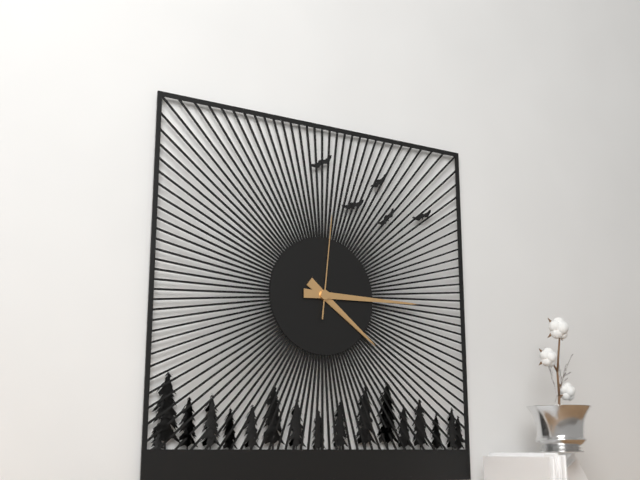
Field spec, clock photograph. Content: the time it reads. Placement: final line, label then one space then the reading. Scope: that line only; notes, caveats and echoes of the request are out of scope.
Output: 4:15:01
